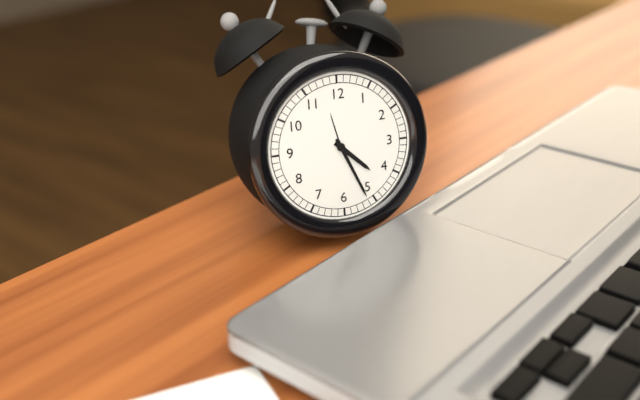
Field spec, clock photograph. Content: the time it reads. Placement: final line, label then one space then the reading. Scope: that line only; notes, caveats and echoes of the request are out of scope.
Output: 4:26
